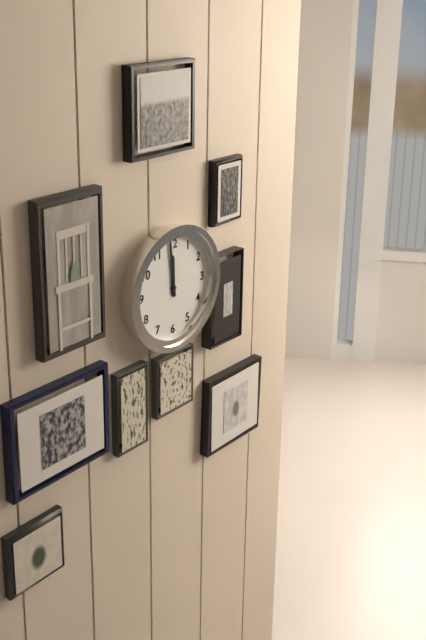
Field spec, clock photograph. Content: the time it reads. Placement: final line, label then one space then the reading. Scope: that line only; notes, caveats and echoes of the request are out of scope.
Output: 11:59
